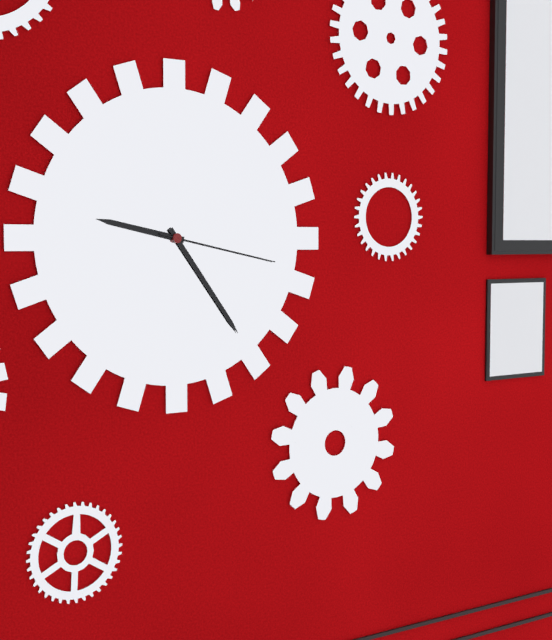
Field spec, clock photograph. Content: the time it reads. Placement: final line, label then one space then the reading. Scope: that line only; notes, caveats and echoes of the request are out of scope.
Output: 9:24:17
